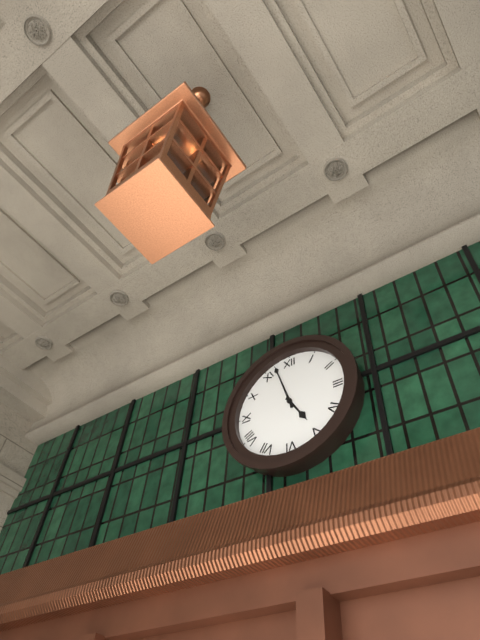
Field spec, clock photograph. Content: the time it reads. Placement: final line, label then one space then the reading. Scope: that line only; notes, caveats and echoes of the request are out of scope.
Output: 4:57
